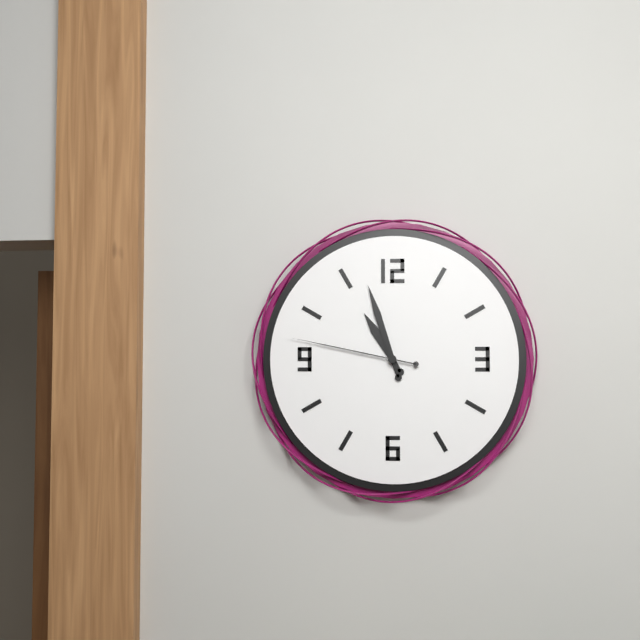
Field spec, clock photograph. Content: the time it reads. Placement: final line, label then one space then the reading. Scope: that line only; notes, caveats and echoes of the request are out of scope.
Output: 10:57:47
